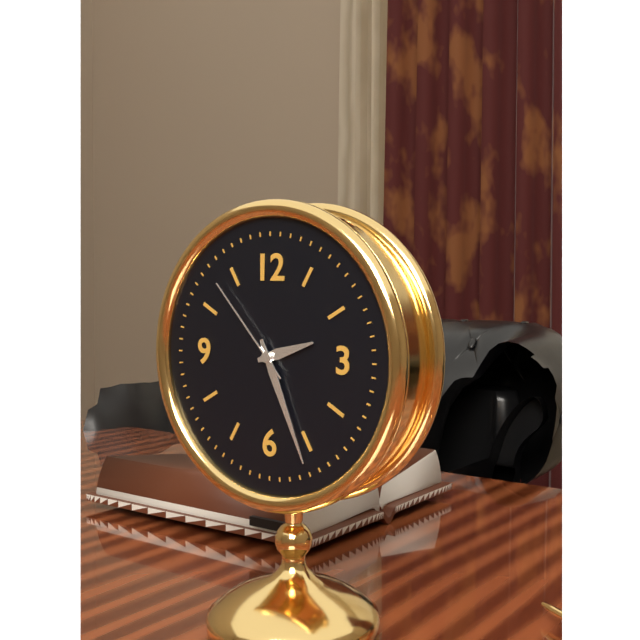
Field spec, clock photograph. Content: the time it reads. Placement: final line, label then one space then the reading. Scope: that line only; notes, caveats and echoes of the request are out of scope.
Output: 2:26:53
